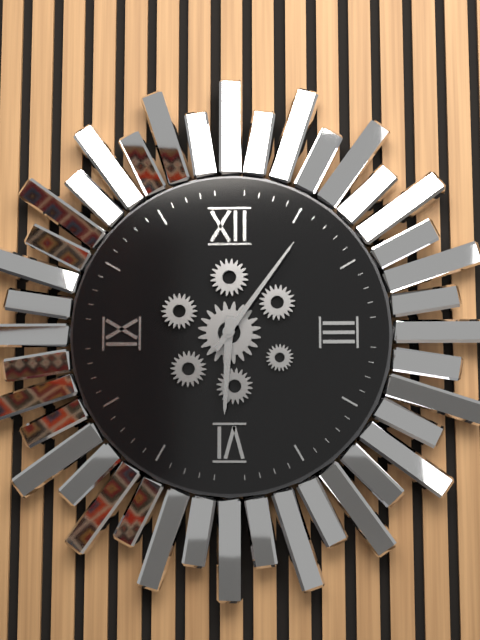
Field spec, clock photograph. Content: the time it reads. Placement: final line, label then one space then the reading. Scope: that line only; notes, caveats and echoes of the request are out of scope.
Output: 6:06
